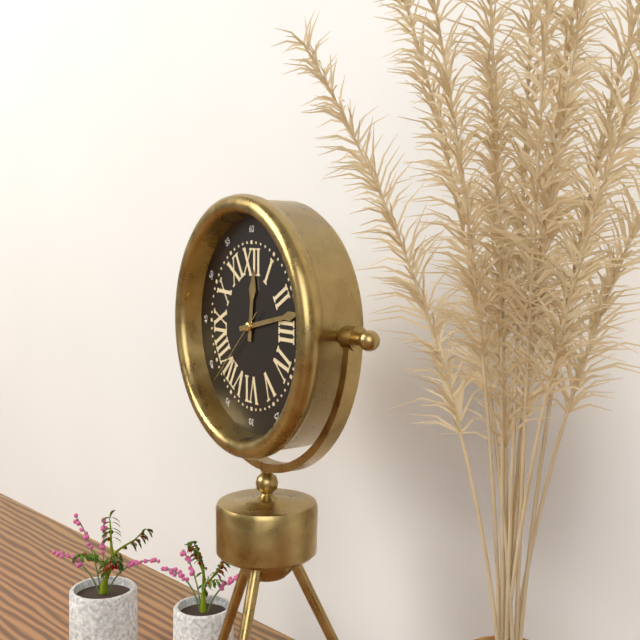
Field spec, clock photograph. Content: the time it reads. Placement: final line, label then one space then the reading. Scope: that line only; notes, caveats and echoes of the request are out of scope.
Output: 12:13:38
